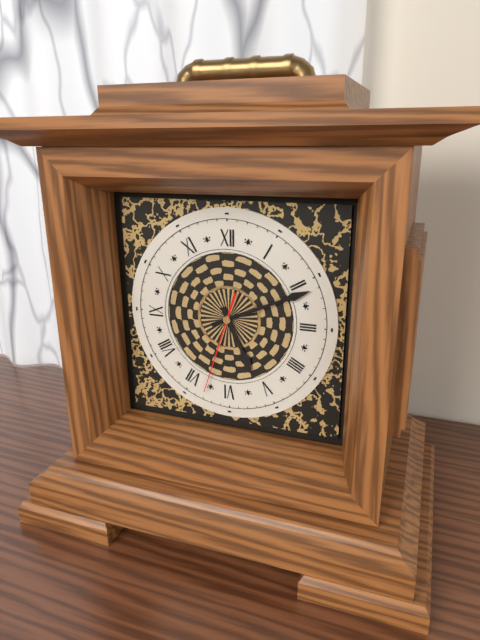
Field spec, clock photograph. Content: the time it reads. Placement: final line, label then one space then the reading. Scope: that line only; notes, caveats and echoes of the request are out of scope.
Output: 5:11:33
